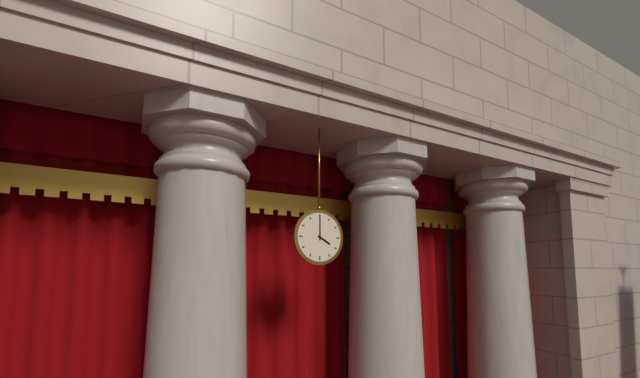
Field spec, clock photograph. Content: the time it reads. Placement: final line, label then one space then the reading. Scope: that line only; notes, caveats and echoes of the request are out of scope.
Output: 4:00
